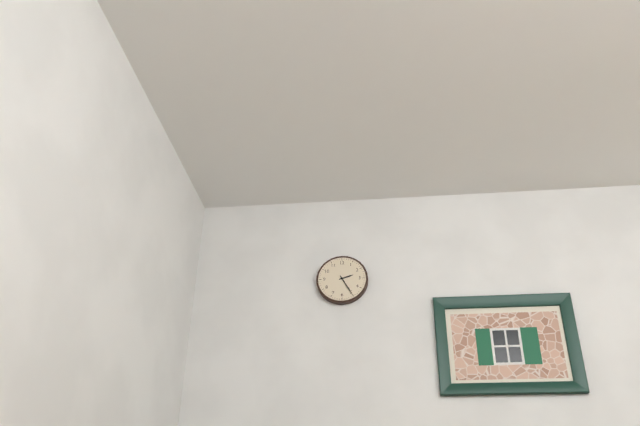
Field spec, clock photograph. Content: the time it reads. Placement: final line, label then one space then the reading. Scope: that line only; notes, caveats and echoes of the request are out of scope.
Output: 2:25
